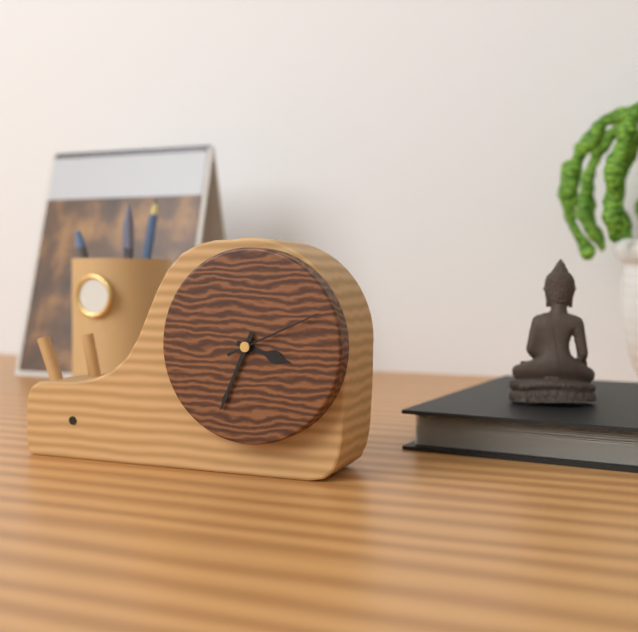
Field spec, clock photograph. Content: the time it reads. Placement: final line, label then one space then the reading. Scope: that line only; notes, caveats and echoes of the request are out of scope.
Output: 3:34:11
